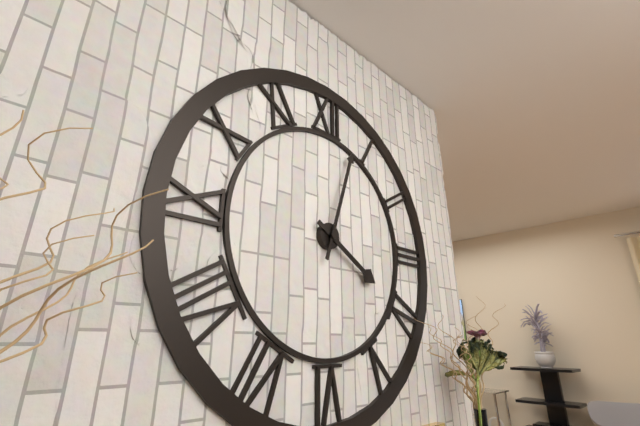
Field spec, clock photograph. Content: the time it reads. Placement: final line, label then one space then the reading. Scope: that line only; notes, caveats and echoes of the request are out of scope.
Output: 4:03
